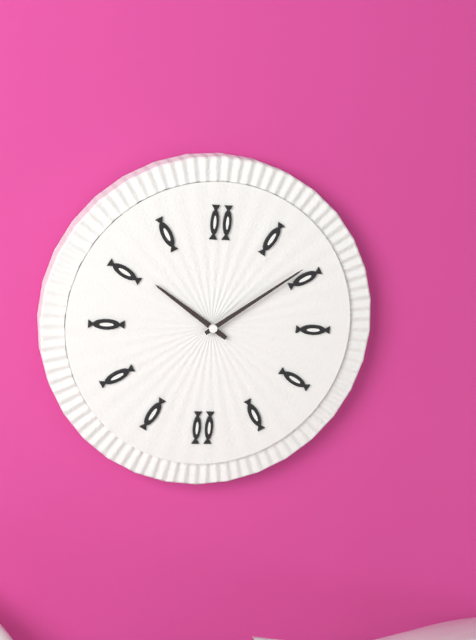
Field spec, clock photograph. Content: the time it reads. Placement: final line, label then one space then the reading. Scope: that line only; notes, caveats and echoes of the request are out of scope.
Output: 10:09
